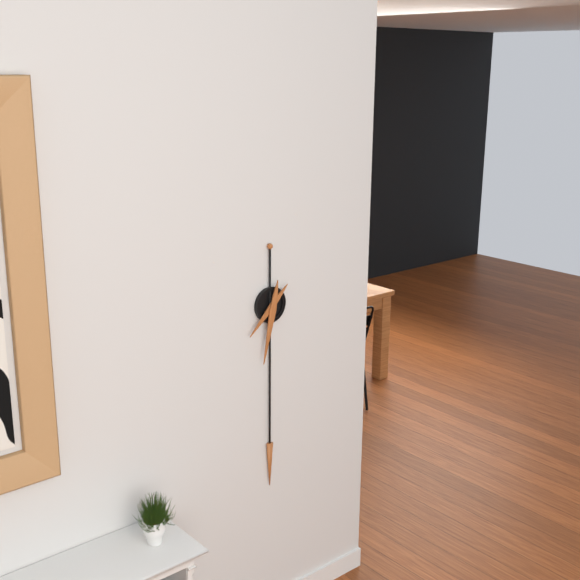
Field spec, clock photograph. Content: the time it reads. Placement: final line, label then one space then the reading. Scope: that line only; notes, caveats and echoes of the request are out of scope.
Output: 7:32
